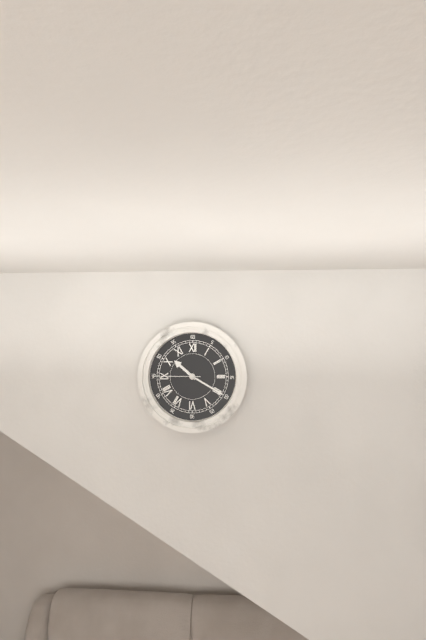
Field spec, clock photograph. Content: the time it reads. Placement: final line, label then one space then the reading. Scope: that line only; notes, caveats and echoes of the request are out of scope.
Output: 10:20
